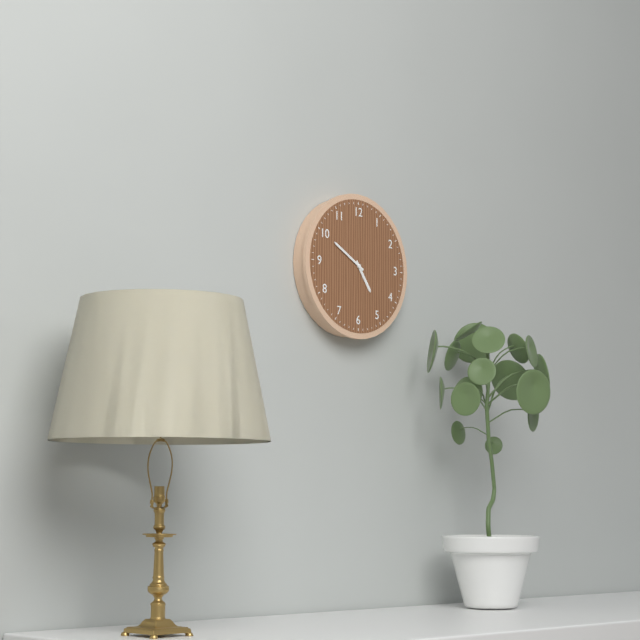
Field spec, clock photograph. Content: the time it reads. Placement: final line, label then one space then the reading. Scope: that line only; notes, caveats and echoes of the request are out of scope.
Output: 4:50
